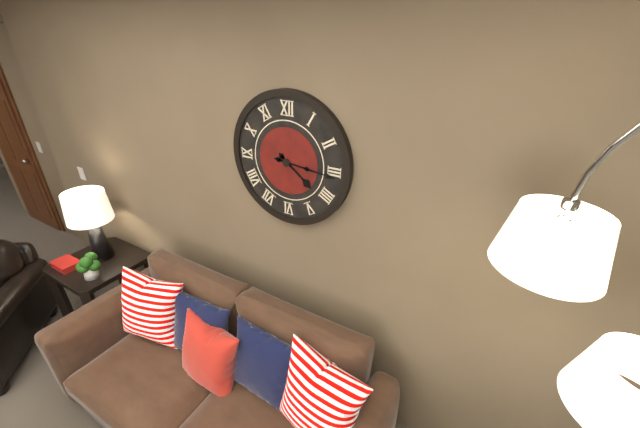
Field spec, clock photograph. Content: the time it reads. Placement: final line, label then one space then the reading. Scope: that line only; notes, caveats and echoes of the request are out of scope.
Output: 4:16
